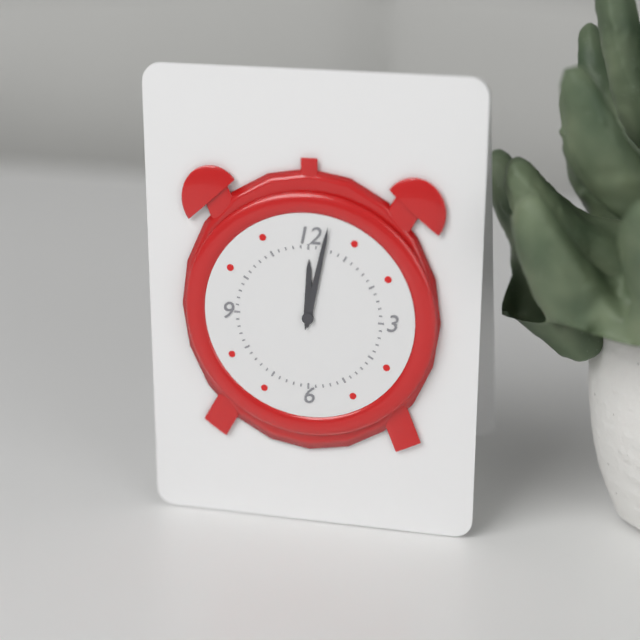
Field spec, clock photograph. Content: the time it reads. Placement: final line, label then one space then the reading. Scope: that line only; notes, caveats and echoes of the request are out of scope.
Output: 12:02
